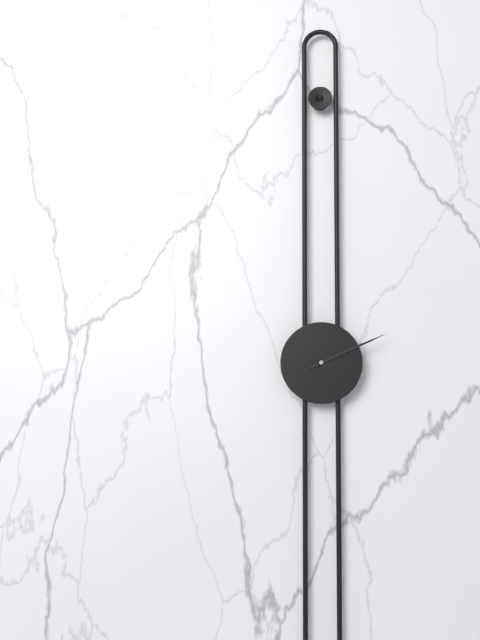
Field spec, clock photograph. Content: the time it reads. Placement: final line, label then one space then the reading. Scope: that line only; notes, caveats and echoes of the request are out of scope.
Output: 2:11
